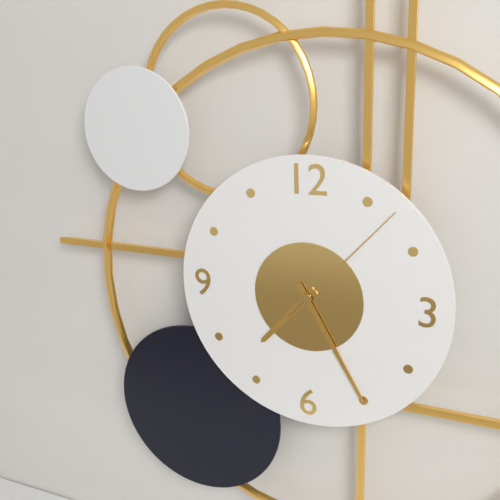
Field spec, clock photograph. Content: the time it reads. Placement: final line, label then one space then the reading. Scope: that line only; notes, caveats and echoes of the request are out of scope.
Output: 7:25:07
